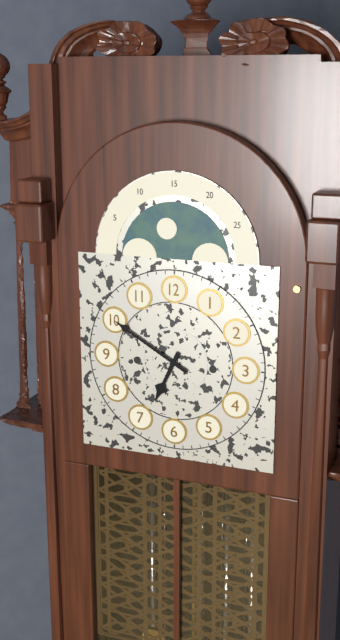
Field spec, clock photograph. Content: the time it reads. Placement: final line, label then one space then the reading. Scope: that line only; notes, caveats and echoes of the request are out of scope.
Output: 6:50
